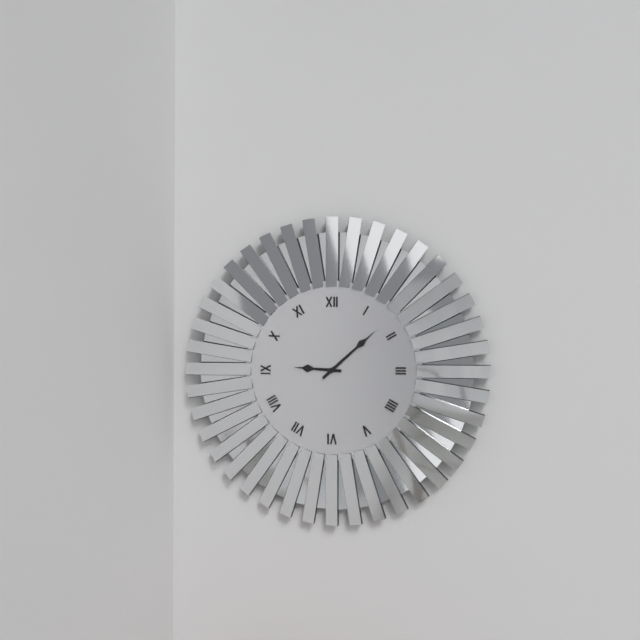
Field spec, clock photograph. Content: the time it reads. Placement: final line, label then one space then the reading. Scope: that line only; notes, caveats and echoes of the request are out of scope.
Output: 9:08
